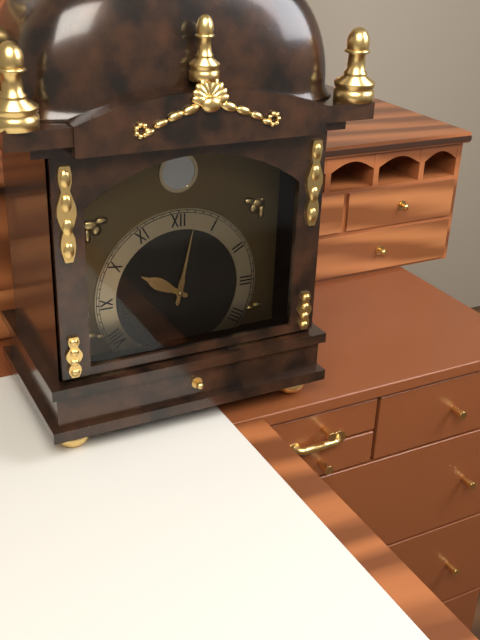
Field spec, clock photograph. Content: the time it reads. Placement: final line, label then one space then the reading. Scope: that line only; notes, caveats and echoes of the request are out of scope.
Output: 10:02
